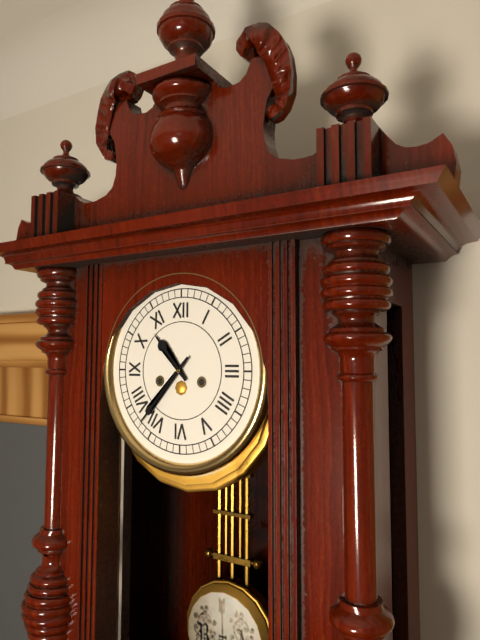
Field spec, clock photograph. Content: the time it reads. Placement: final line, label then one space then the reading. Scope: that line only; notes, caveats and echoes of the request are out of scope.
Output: 10:37
